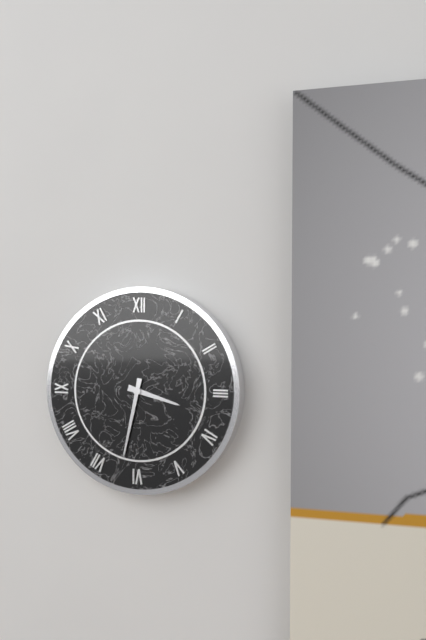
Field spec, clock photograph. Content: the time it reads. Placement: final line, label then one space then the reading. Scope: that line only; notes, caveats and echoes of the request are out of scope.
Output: 3:32
